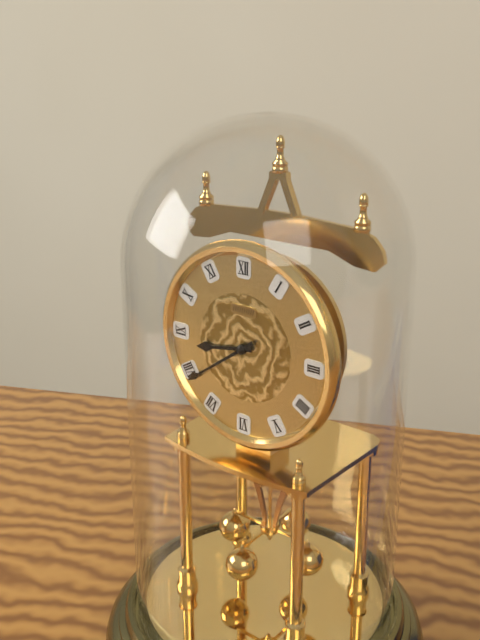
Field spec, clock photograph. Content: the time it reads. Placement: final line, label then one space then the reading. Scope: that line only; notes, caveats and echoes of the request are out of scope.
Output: 8:39
